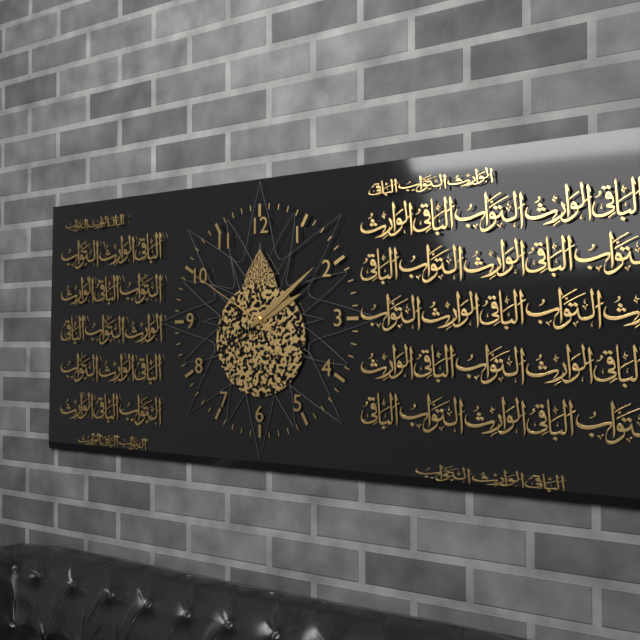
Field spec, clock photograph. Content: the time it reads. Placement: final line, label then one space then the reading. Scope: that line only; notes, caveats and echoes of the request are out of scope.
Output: 2:09:50
